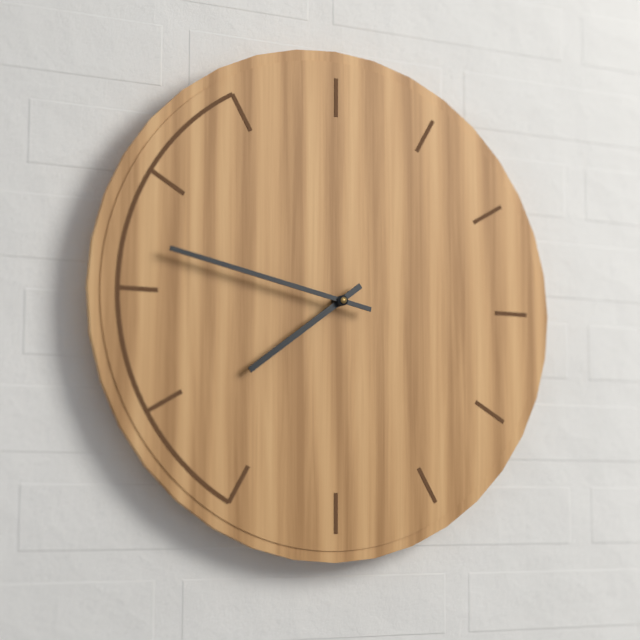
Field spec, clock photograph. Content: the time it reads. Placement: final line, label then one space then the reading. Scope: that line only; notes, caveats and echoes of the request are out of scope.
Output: 7:47
